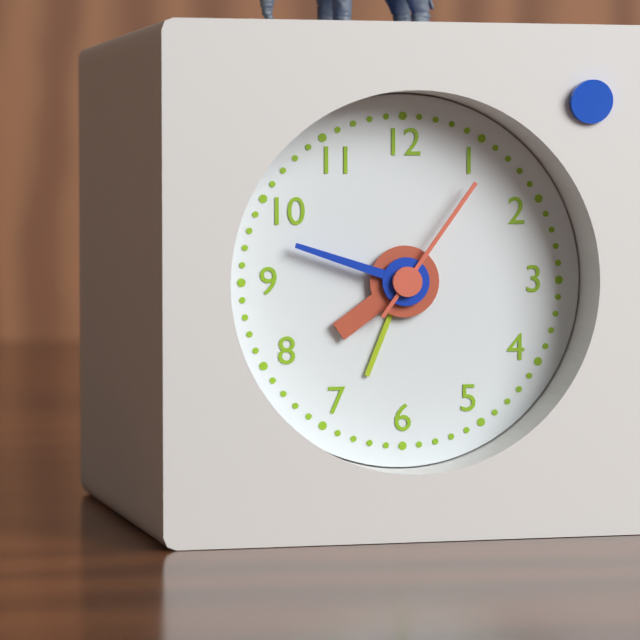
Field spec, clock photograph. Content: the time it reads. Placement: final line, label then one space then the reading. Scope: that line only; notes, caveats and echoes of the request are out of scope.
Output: 7:48:06
